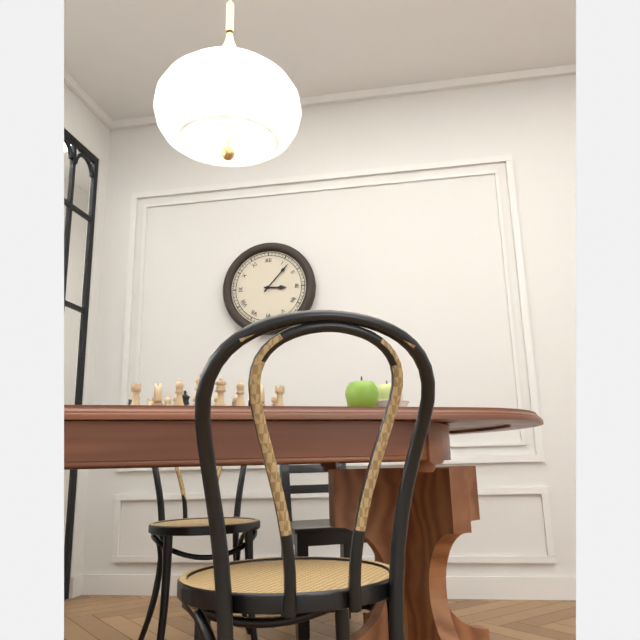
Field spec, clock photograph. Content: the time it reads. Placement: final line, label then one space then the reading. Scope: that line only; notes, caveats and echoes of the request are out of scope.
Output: 3:07
